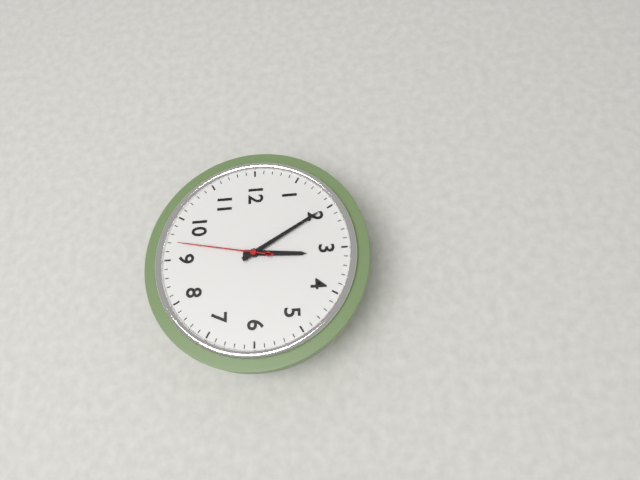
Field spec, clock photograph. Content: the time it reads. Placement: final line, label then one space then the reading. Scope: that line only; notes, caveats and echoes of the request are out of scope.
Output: 3:10:47
